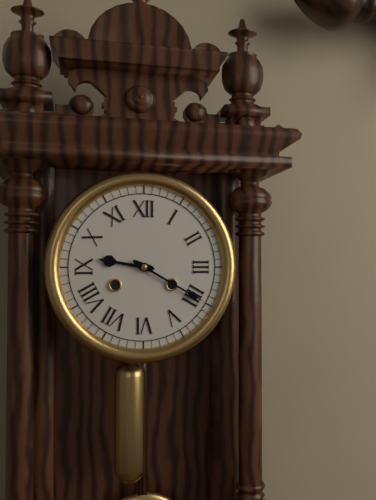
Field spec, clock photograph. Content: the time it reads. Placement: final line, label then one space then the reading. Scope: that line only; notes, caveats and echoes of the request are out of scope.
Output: 9:20
